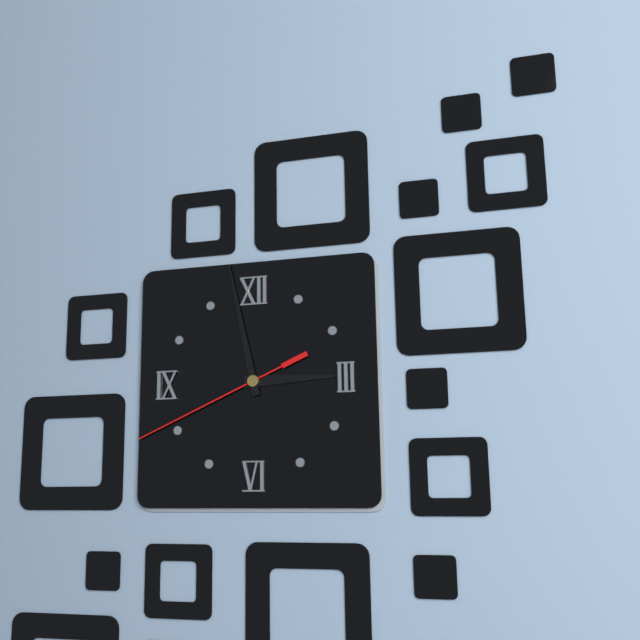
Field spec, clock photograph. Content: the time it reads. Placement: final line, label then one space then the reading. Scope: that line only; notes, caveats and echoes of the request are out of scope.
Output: 2:58:41
